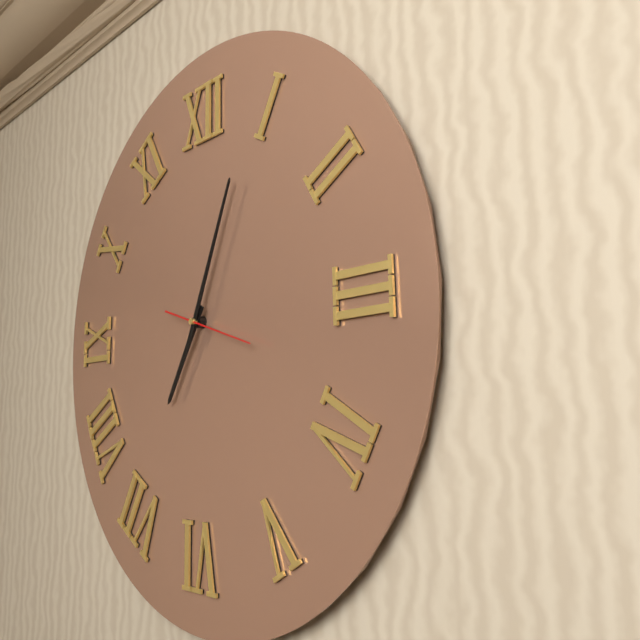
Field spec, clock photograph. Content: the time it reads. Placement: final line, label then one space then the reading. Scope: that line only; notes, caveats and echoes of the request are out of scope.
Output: 7:04:18
